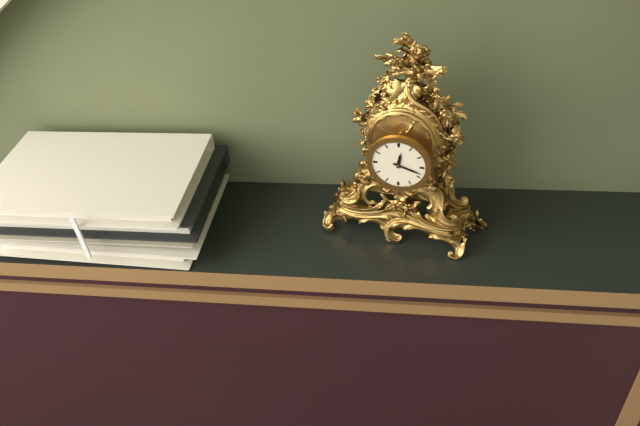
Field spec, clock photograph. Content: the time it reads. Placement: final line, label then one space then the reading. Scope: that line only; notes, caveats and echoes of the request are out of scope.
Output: 12:18
